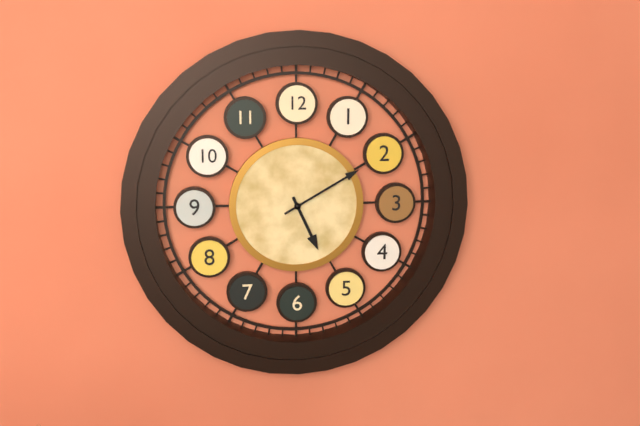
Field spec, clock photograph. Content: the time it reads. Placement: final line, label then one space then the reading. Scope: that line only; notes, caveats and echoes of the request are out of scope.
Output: 5:10
